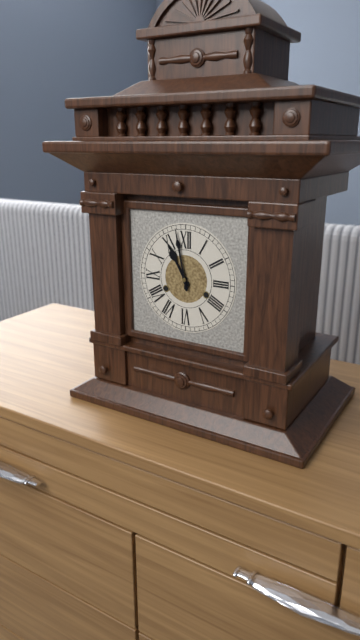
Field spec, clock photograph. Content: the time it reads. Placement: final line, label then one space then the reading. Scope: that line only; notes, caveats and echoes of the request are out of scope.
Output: 10:58
